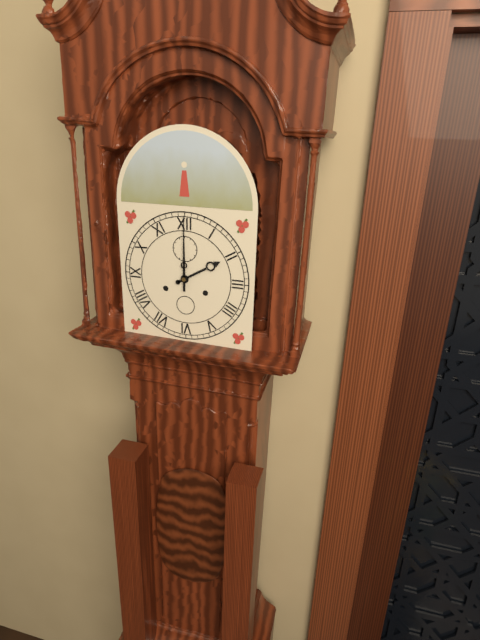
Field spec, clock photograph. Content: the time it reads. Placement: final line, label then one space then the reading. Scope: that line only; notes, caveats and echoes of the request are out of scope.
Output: 2:00
